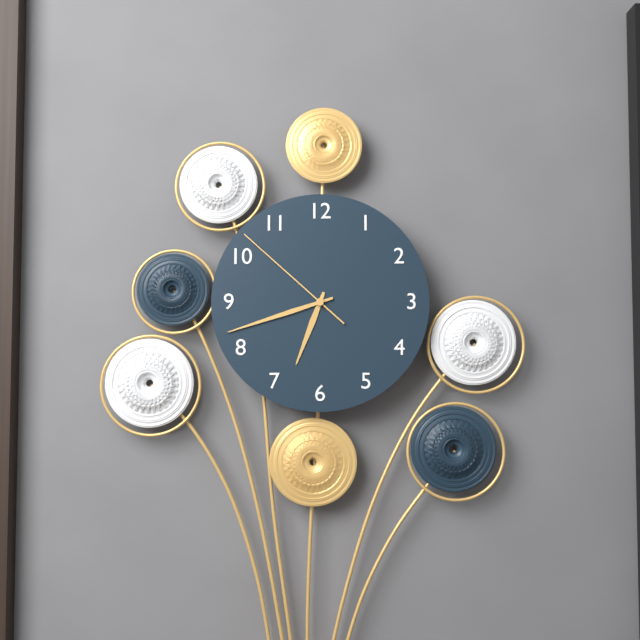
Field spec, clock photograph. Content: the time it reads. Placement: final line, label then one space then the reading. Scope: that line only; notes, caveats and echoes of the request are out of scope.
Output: 6:42:52
